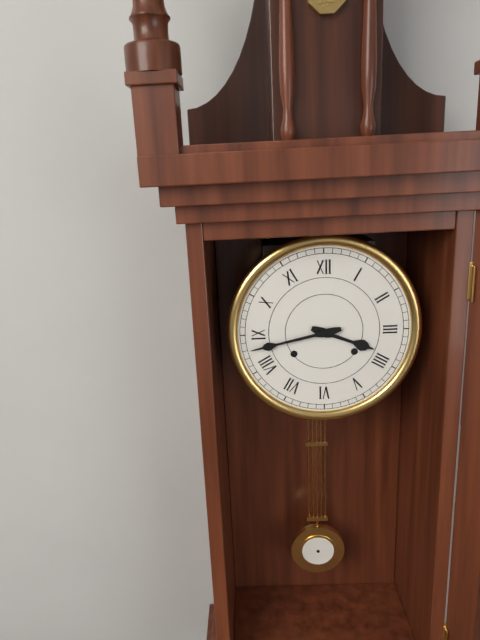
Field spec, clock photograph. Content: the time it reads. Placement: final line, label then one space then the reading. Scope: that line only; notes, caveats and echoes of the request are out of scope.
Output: 3:43
